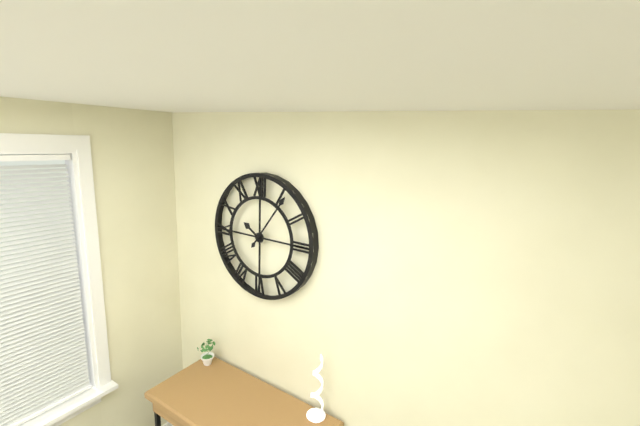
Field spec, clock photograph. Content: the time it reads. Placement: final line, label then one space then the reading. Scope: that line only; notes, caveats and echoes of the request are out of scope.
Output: 10:06
